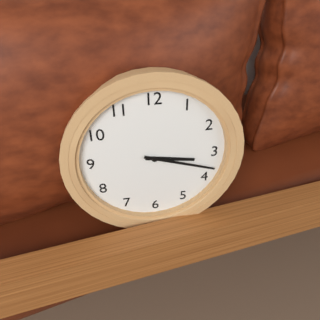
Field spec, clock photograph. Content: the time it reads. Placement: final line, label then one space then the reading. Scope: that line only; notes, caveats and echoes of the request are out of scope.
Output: 3:18
